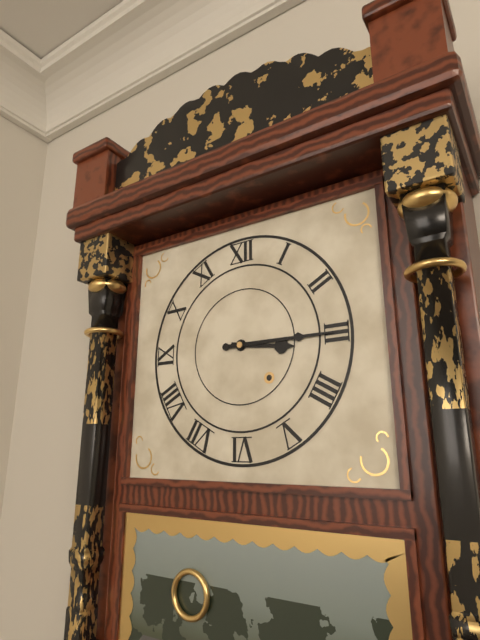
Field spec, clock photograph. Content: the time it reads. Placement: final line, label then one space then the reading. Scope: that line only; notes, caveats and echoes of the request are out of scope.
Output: 3:15
